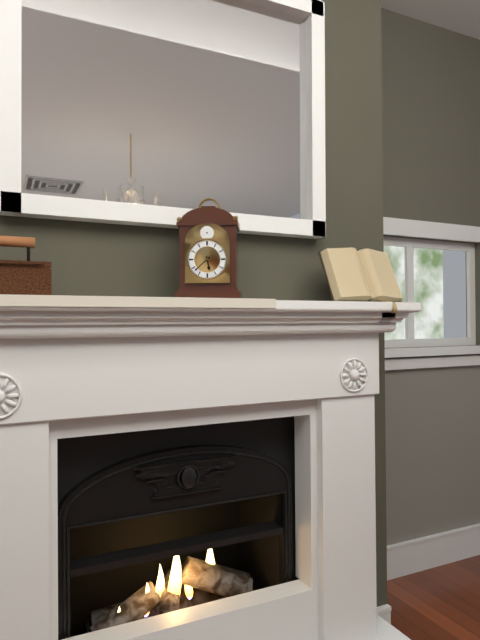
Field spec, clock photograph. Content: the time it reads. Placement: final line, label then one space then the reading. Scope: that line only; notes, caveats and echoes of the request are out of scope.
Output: 5:38
